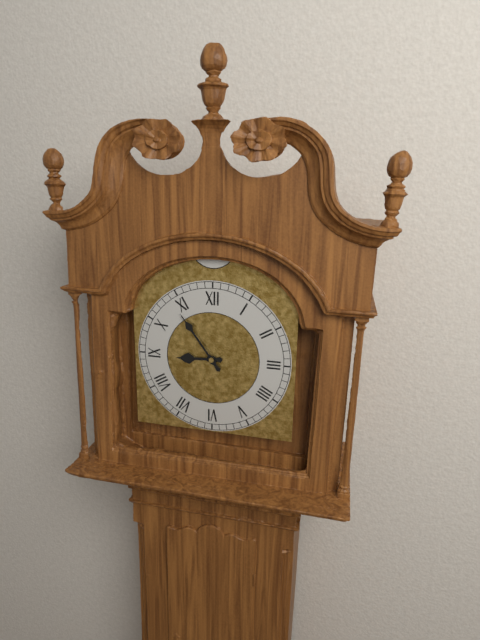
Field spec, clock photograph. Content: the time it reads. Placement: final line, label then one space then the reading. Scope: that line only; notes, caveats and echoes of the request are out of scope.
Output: 8:54
